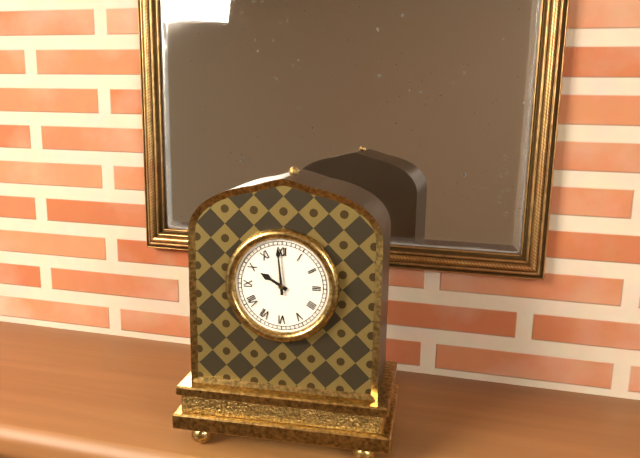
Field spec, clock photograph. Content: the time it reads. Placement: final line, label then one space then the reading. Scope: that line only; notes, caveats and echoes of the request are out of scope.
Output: 9:59
